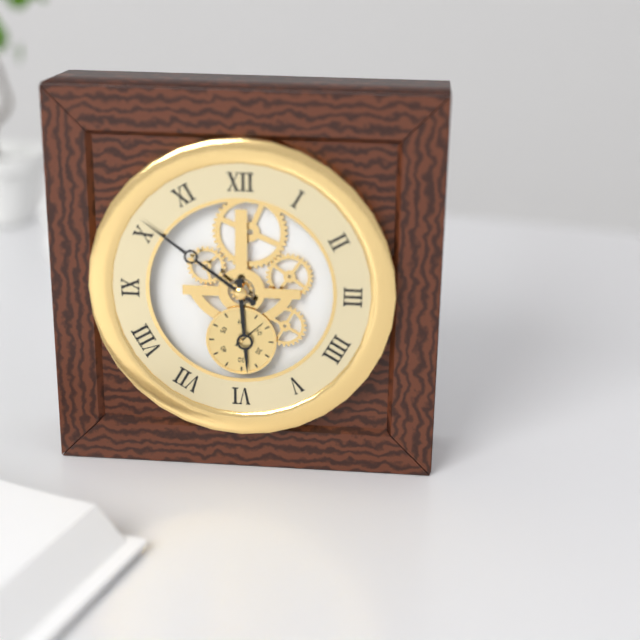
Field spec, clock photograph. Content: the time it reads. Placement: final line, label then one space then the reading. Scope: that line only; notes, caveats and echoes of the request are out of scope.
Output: 5:51
